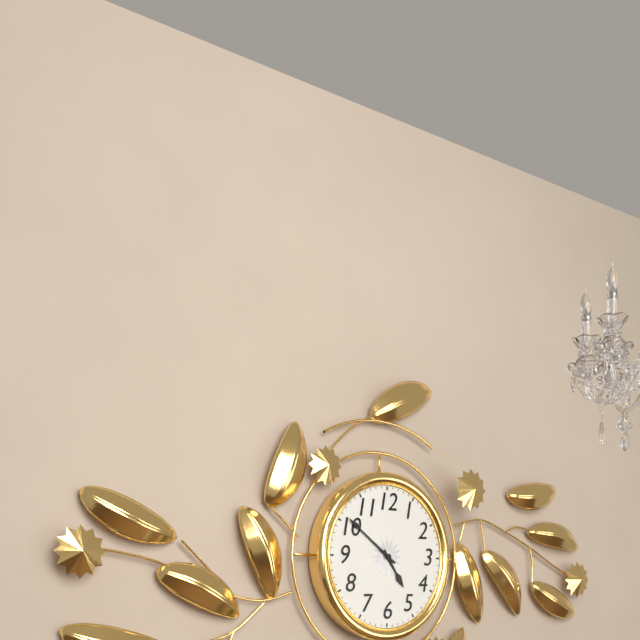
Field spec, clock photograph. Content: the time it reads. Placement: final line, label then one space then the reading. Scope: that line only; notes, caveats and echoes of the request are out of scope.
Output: 4:51
